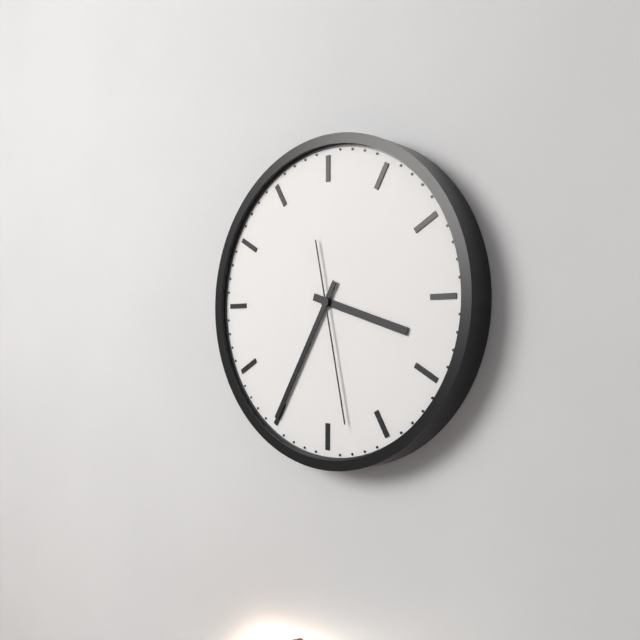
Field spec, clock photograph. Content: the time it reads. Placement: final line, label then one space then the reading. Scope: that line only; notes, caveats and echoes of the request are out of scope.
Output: 3:35:28
